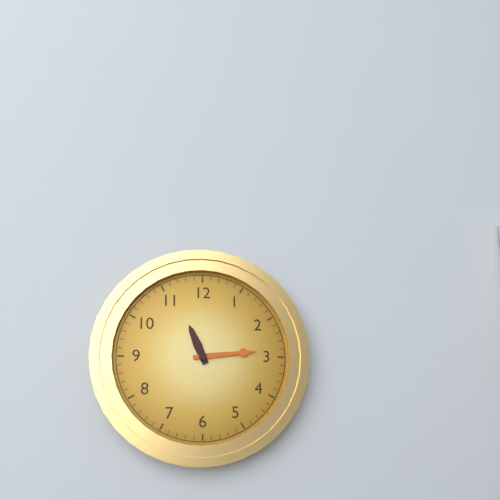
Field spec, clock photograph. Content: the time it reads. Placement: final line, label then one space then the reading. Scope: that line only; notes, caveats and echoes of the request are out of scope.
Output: 11:14
